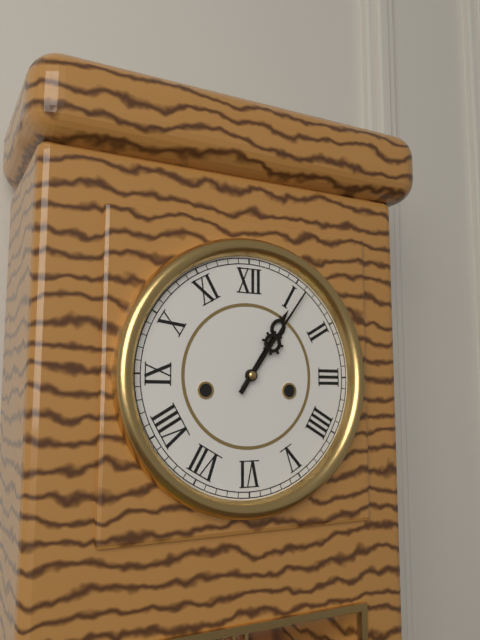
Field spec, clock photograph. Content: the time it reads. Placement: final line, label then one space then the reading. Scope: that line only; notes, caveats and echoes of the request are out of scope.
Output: 1:06
